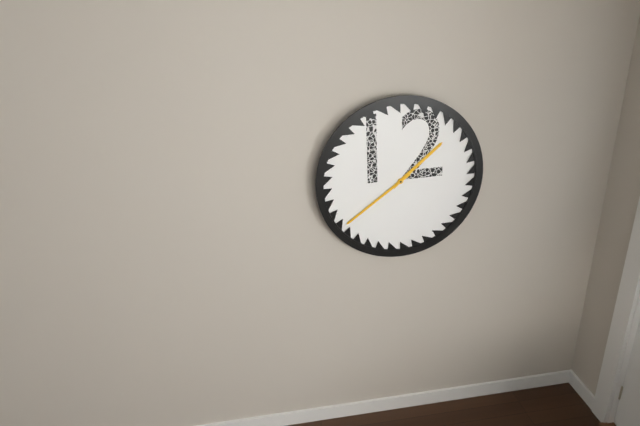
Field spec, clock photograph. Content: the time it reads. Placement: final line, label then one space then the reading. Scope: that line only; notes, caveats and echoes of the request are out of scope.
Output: 1:39
